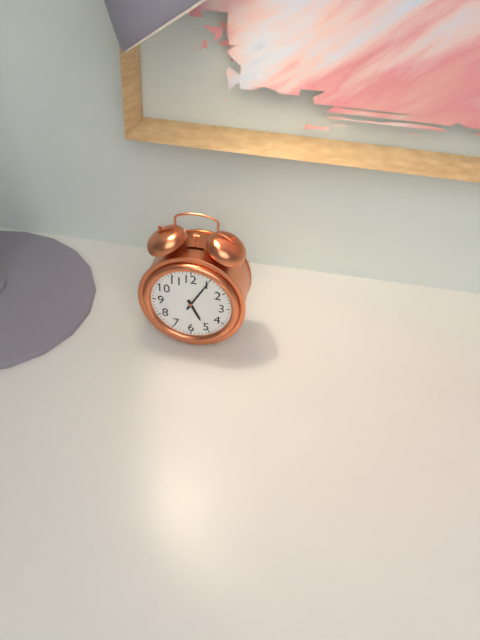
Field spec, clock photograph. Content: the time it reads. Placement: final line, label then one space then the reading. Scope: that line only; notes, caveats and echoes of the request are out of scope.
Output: 5:05
